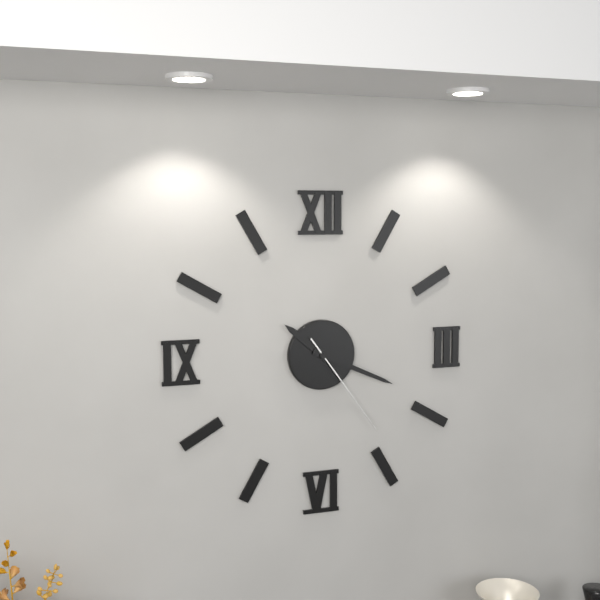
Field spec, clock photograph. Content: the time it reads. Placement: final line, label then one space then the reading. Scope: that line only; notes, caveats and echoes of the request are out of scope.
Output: 10:19:24
